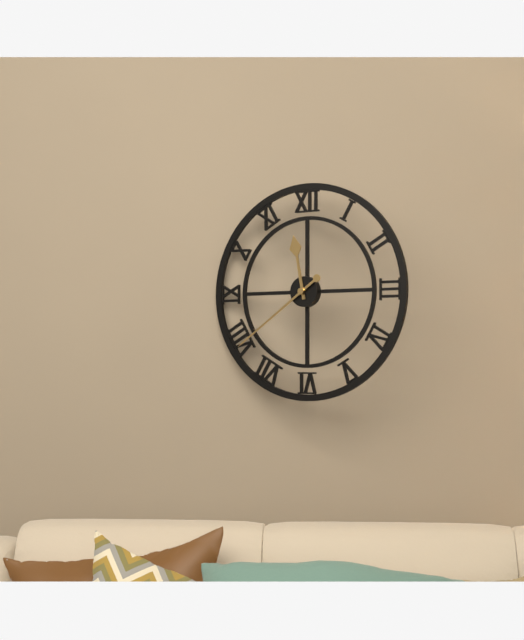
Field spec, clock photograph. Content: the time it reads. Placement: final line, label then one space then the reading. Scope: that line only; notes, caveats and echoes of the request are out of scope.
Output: 11:39
